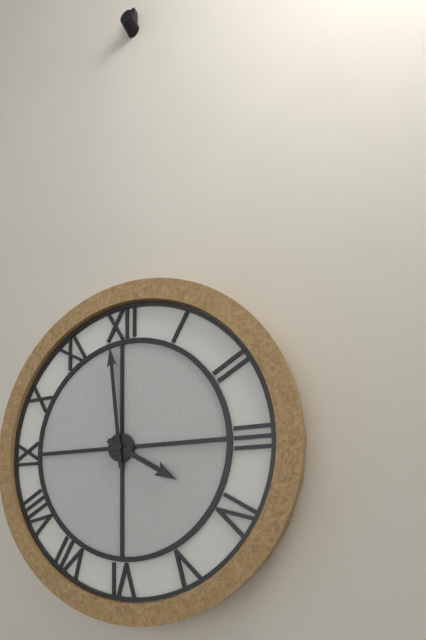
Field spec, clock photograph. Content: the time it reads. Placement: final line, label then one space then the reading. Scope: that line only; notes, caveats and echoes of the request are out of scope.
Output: 3:59
